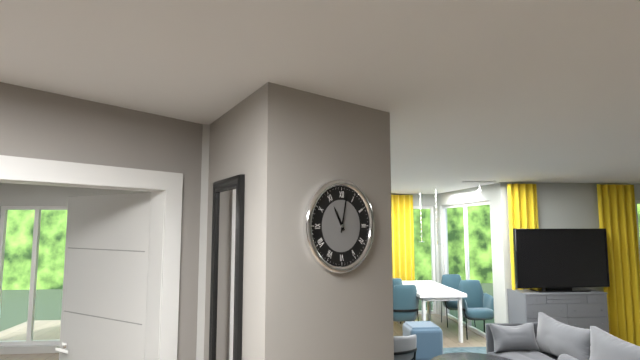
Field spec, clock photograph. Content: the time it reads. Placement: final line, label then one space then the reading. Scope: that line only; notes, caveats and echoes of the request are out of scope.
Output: 11:02
